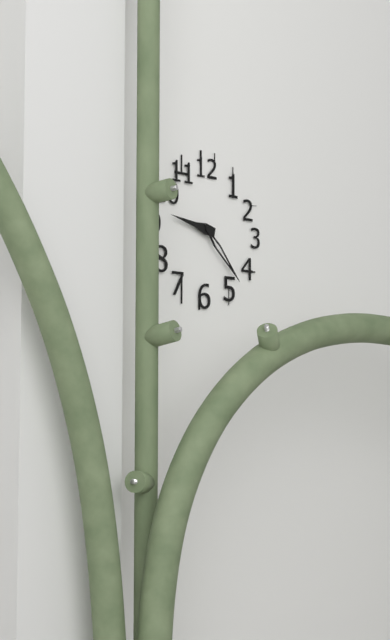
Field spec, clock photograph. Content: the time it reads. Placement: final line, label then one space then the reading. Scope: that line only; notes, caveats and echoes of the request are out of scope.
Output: 9:23
